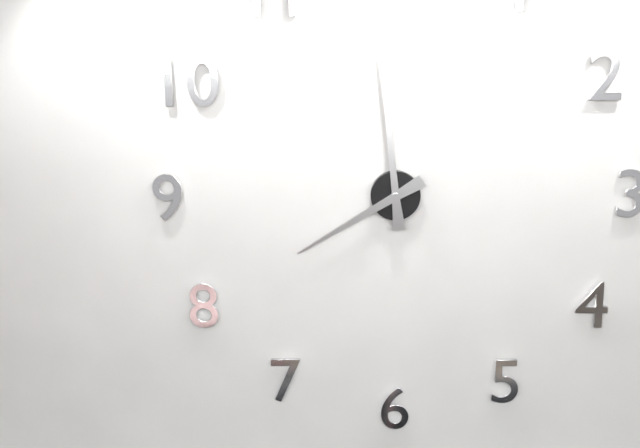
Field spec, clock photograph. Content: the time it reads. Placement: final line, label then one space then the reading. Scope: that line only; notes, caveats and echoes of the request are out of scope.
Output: 7:59
